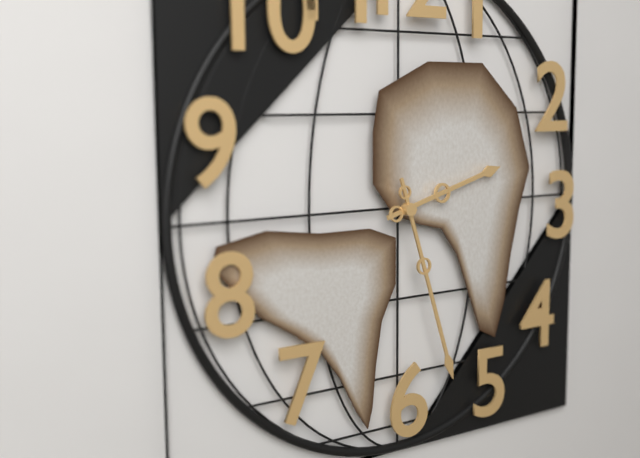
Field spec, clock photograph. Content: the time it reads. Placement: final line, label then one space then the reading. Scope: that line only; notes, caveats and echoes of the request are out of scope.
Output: 2:27
